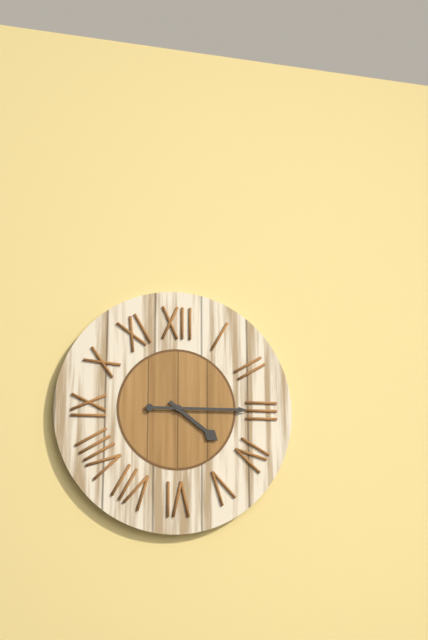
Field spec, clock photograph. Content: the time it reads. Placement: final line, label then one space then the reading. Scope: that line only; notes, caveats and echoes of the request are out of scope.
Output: 4:15
